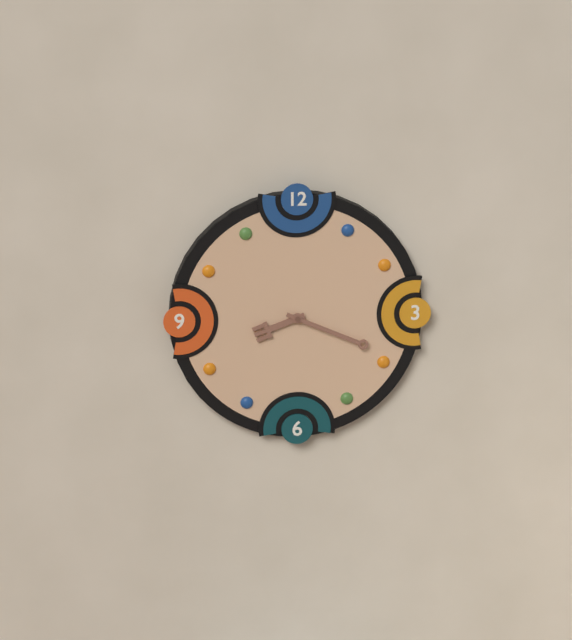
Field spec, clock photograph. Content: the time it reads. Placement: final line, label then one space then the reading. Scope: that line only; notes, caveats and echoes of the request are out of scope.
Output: 8:19
